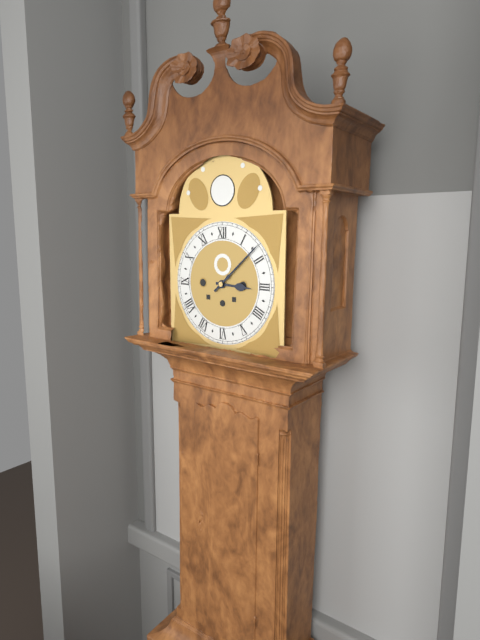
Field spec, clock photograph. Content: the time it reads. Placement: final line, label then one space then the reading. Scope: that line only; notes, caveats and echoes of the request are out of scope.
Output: 3:08
